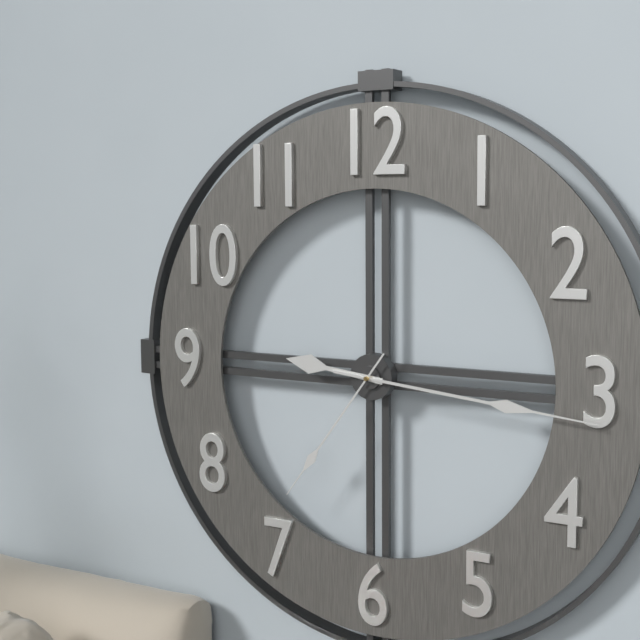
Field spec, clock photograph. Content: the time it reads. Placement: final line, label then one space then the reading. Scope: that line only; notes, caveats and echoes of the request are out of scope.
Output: 9:16:36
